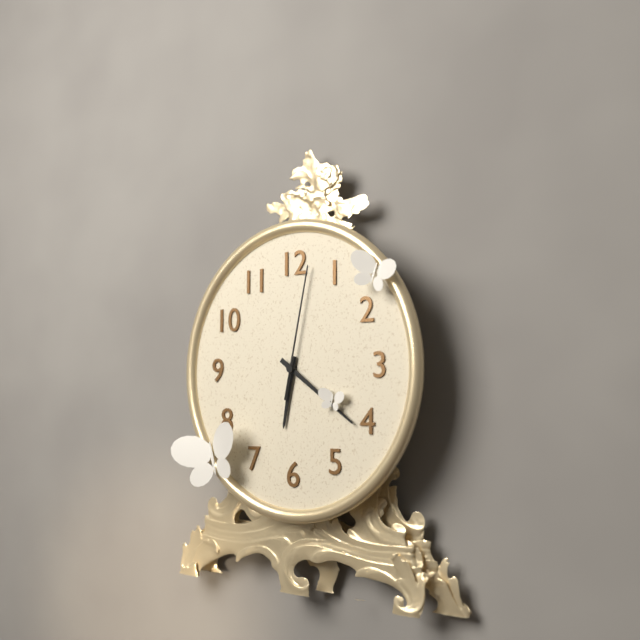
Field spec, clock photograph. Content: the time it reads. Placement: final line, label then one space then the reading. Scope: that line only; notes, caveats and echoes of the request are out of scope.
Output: 6:21:02
